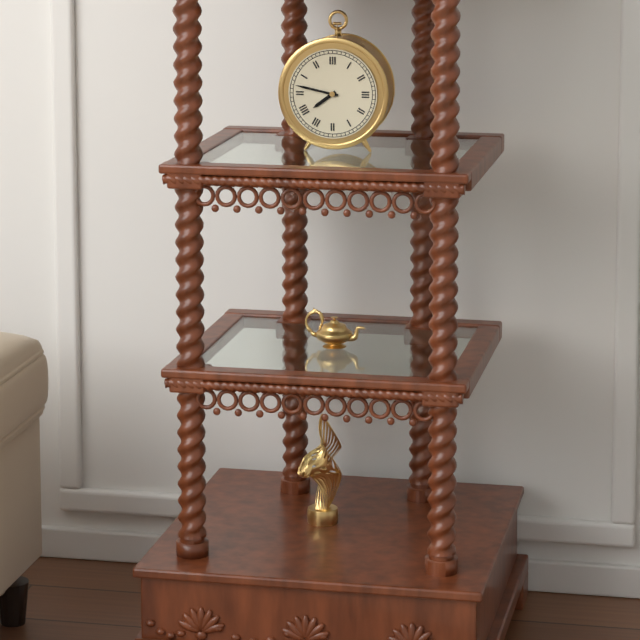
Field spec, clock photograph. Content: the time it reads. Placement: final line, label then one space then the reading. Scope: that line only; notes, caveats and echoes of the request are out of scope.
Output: 7:47
